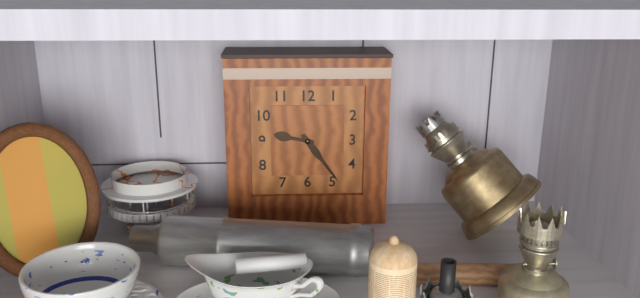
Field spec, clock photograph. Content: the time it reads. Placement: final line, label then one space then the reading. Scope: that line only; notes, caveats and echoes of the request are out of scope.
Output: 9:24
